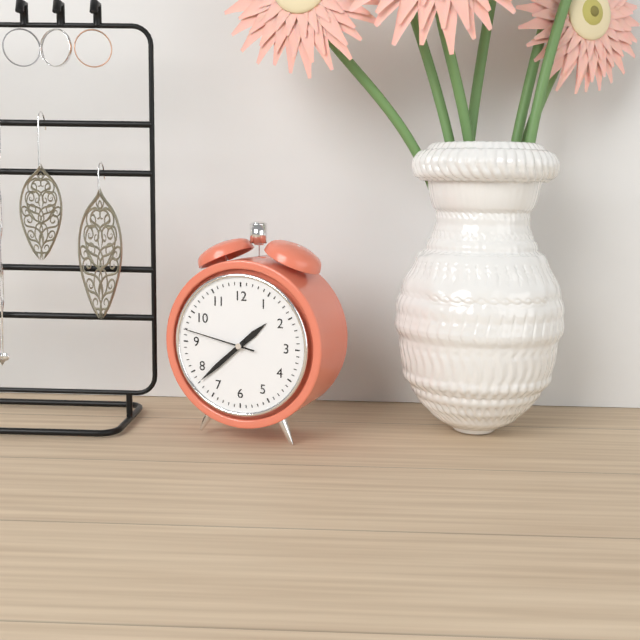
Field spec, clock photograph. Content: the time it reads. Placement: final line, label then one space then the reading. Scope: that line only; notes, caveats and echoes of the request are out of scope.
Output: 1:38:47
